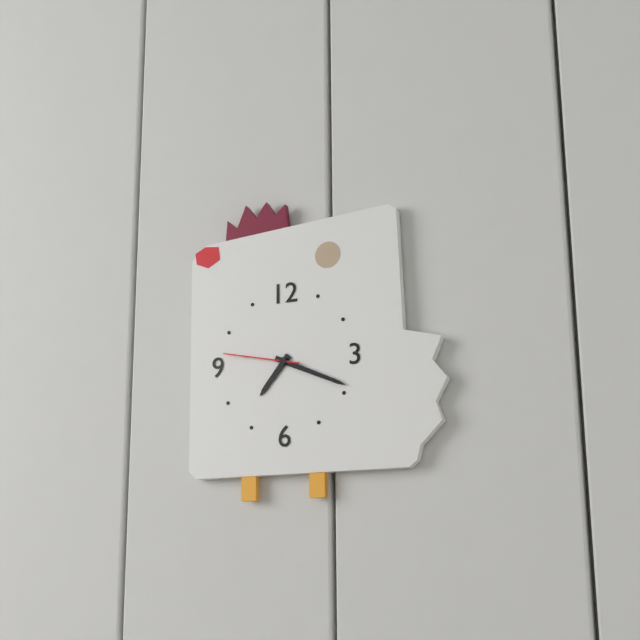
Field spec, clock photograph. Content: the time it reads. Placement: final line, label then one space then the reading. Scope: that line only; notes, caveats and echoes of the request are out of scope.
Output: 7:19:47
